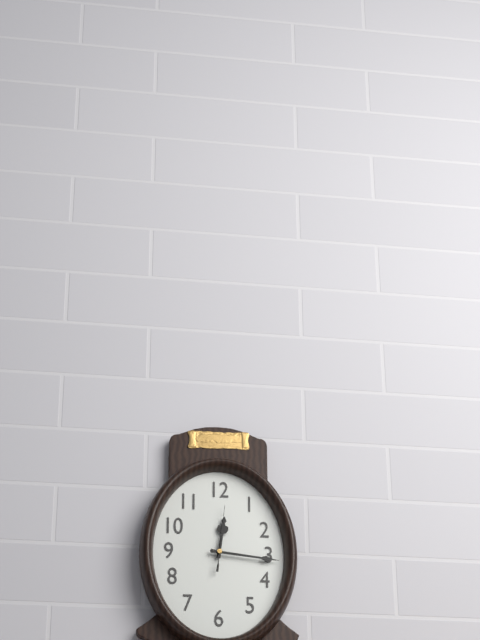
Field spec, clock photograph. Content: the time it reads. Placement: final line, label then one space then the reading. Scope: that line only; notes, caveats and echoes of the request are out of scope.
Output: 12:16:01
